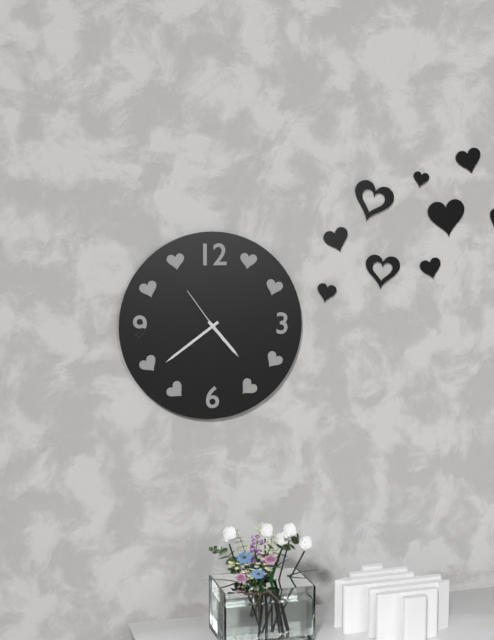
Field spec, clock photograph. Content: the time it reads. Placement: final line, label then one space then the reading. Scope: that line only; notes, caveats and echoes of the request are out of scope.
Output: 4:39:54
